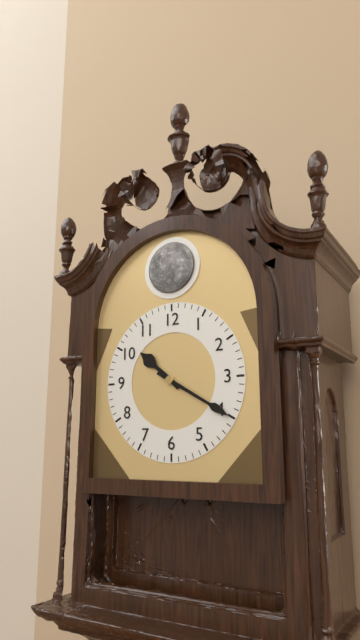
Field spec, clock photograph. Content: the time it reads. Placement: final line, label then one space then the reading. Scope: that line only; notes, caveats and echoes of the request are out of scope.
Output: 10:20
